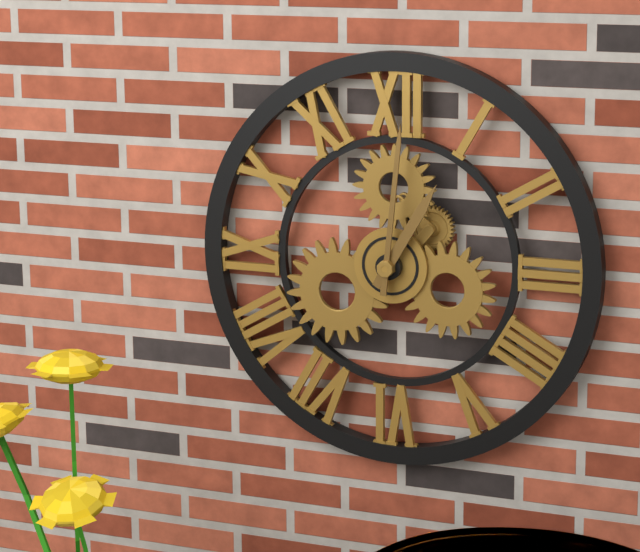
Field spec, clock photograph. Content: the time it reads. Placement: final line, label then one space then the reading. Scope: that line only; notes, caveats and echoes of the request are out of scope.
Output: 1:01
